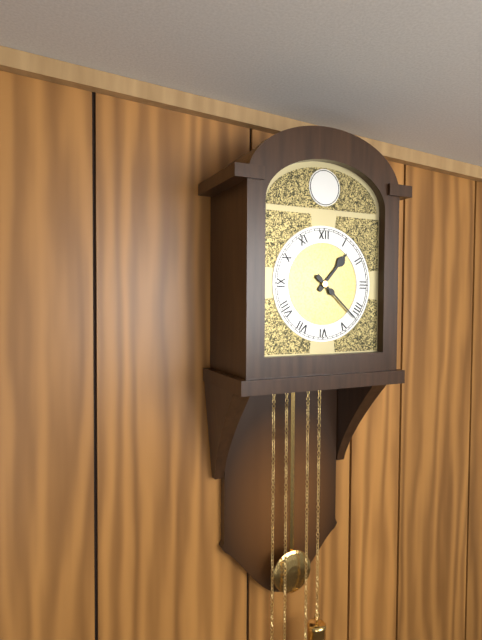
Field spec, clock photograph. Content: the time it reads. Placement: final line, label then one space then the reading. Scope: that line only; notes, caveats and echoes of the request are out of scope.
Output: 1:22
